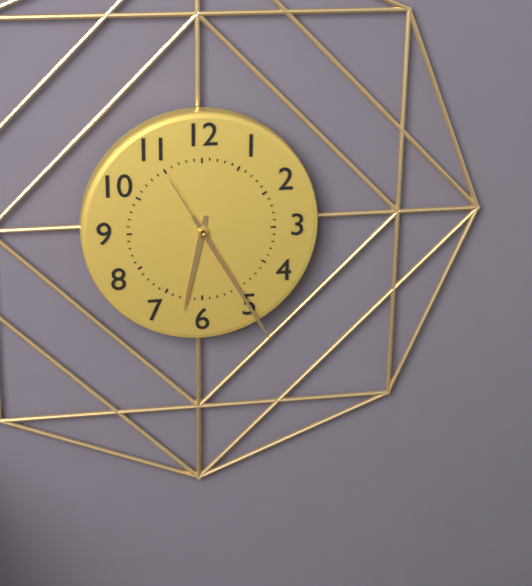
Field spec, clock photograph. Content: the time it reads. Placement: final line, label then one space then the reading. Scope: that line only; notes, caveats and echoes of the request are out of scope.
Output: 6:25:55
